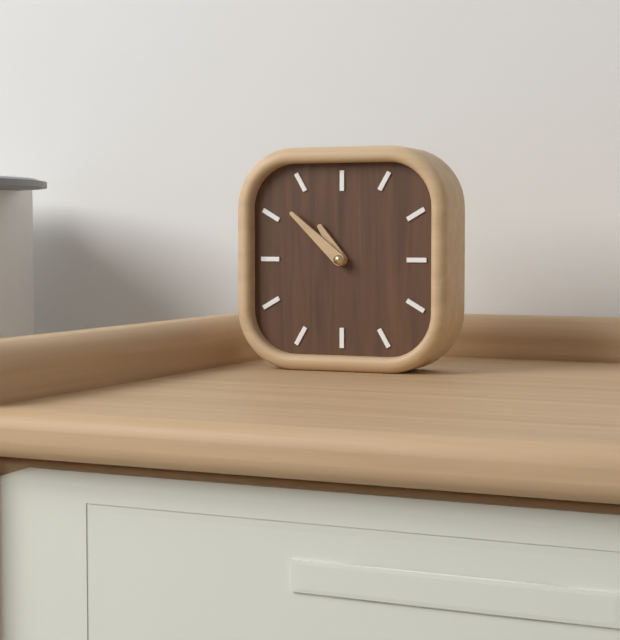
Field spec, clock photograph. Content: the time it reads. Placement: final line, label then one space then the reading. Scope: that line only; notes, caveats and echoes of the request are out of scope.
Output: 10:52
